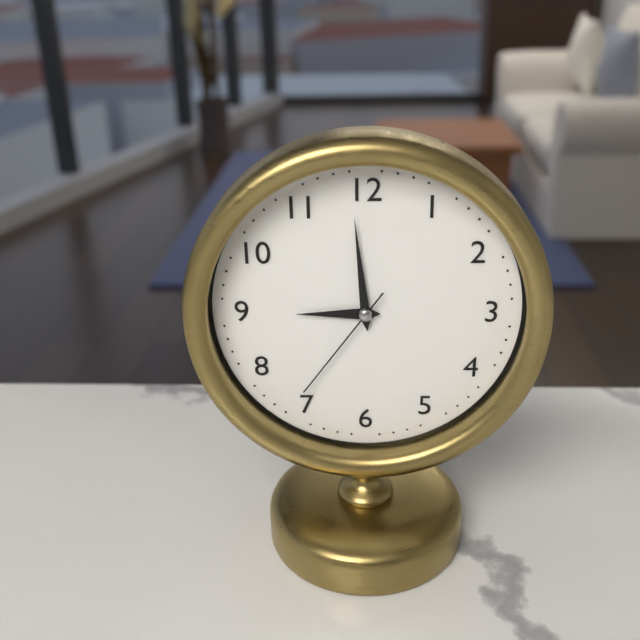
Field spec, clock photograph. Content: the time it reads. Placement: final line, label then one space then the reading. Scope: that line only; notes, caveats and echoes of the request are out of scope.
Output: 8:59:36
